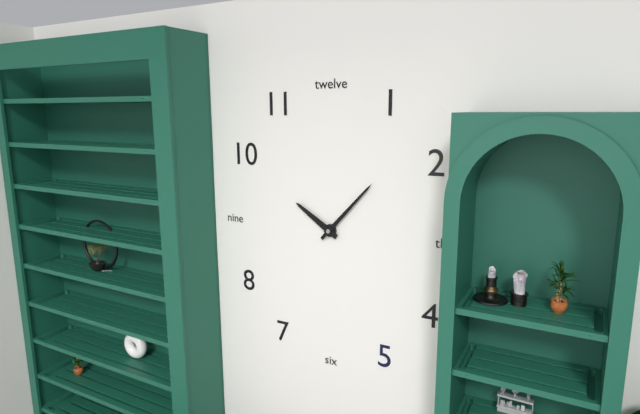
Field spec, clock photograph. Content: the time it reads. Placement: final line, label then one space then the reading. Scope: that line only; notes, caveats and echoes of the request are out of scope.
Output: 10:07
